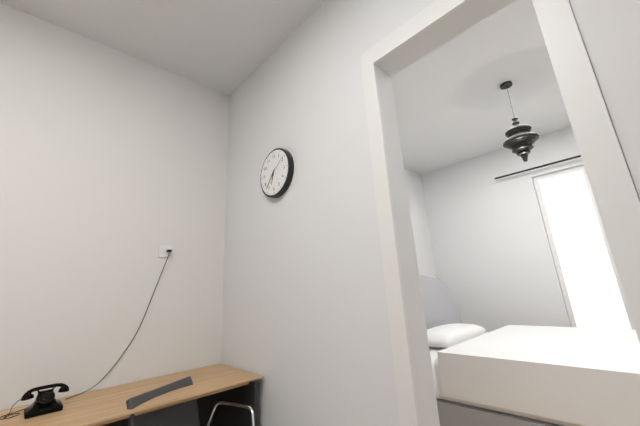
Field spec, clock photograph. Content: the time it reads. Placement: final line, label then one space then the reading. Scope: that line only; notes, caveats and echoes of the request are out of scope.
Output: 6:37
